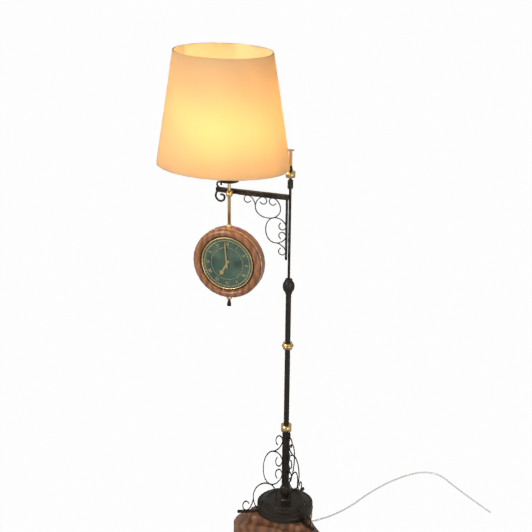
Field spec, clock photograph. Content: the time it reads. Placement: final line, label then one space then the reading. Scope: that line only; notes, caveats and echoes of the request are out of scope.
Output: 6:59
